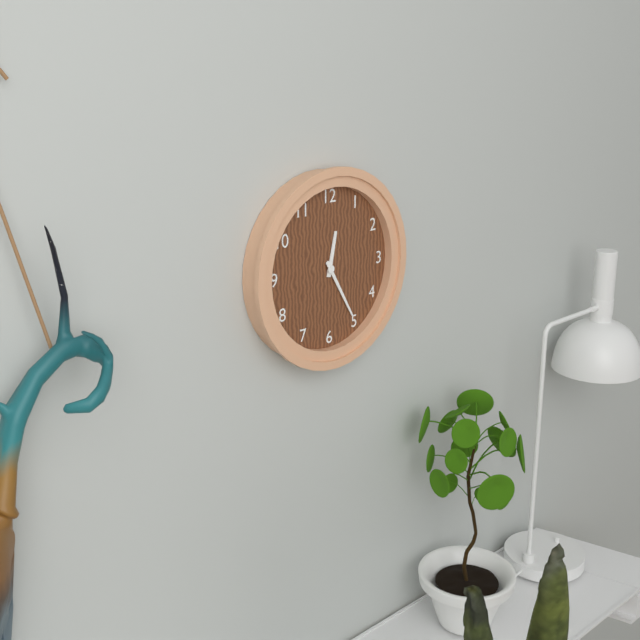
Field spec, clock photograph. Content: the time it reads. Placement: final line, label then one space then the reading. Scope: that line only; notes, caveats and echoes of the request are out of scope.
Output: 12:25
